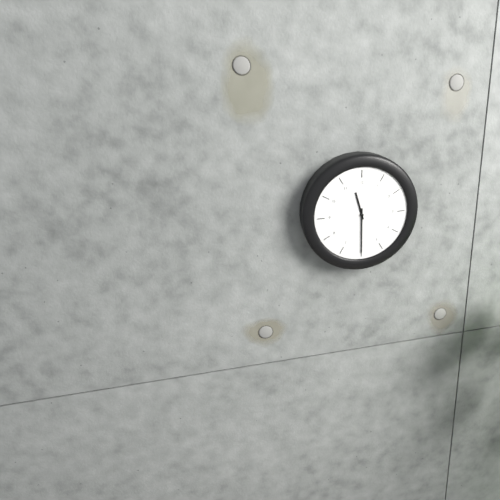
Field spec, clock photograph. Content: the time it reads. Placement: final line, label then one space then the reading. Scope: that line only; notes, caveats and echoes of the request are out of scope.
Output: 11:30
